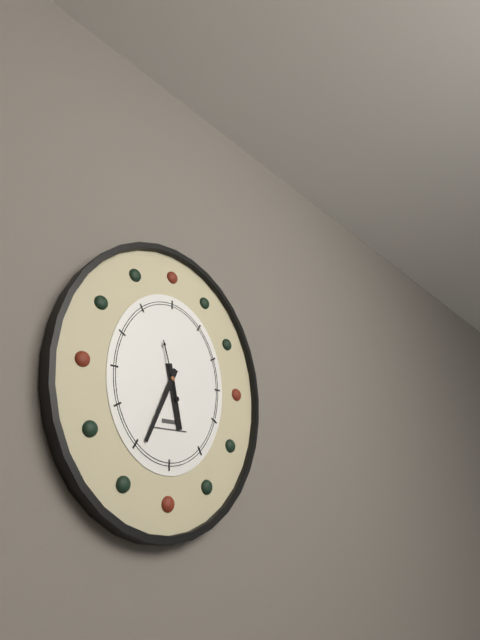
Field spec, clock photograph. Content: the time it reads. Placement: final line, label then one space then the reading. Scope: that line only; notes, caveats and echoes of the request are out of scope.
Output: 5:34
